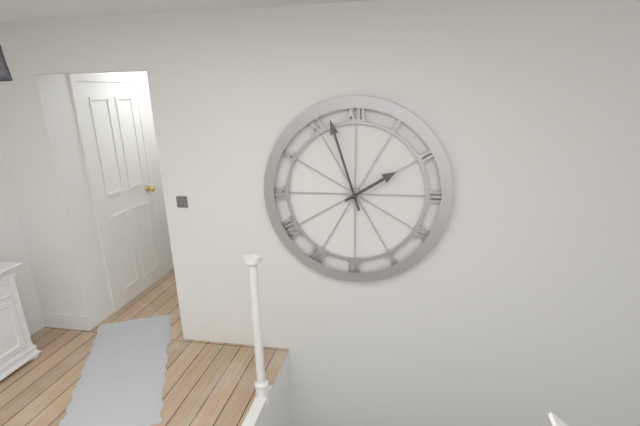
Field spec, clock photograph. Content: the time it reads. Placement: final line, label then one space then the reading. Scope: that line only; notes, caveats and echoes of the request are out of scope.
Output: 1:57
